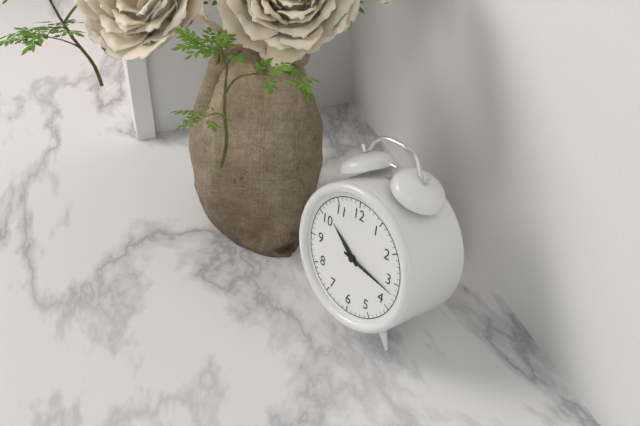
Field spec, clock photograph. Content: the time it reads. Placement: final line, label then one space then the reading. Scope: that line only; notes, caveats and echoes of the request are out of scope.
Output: 10:17
